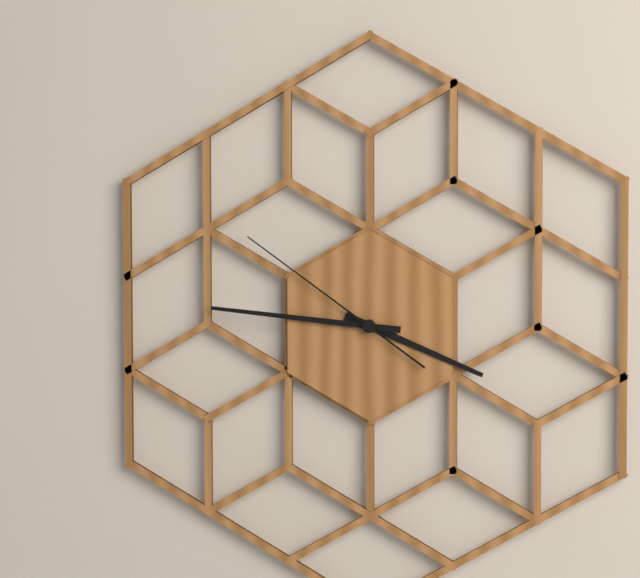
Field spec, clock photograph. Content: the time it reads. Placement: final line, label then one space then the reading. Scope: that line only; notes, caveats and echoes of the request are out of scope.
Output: 3:46:51
